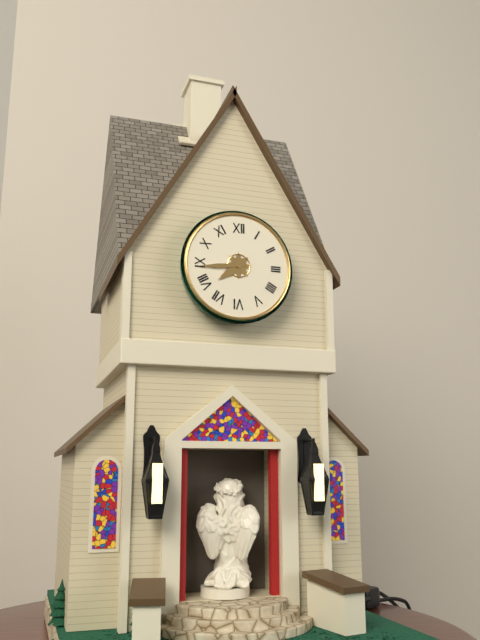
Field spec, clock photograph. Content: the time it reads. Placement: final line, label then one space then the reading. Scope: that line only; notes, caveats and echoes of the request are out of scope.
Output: 7:44
